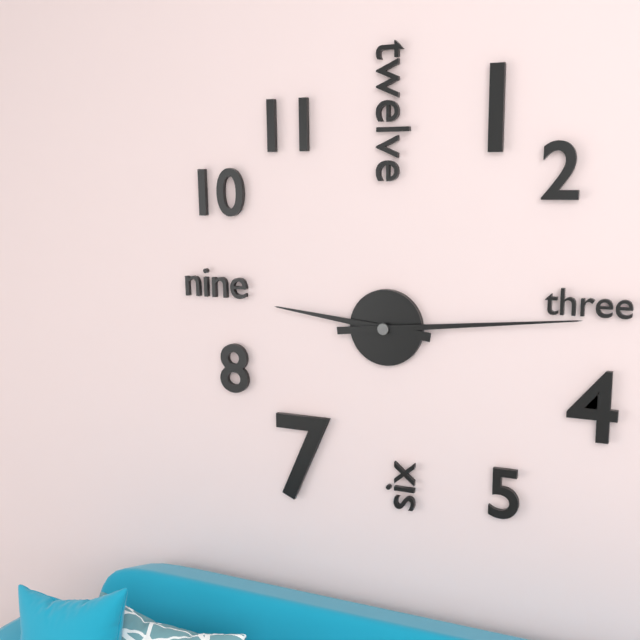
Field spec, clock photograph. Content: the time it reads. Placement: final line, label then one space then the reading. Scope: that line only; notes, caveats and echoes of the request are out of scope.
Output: 9:14
